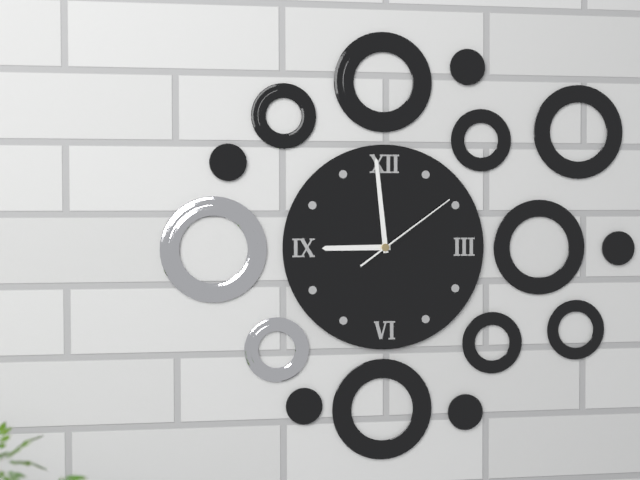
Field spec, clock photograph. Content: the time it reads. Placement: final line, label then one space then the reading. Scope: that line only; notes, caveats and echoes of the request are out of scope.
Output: 8:59:09
